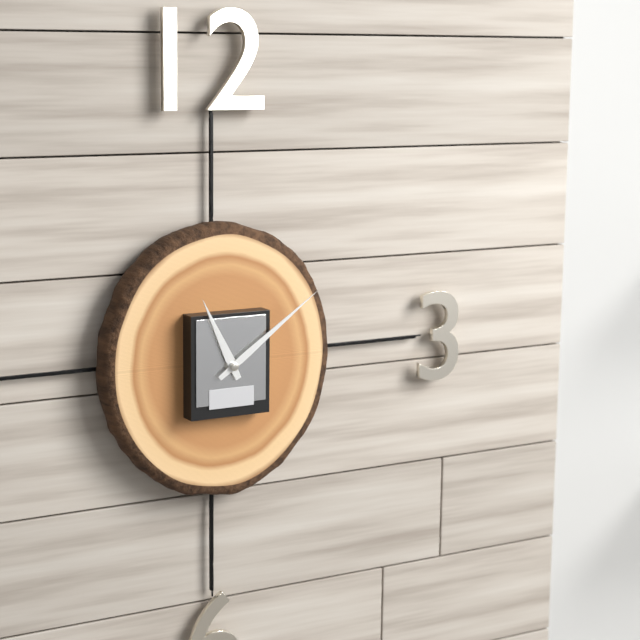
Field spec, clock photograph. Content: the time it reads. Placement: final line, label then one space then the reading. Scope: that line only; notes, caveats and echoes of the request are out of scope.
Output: 11:09
